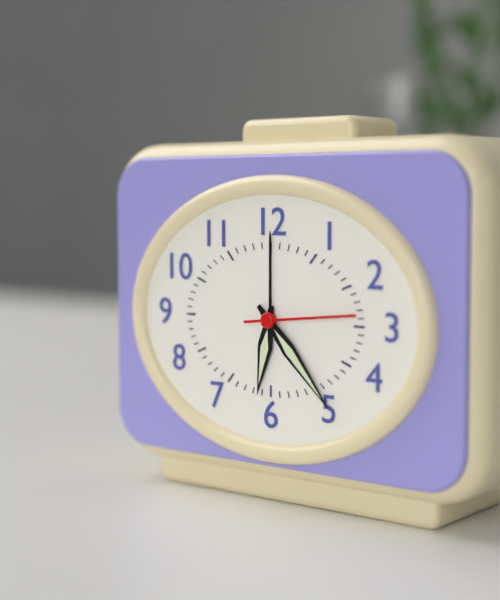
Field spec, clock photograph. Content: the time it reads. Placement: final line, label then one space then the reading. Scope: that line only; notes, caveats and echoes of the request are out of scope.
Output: 6:23:14
